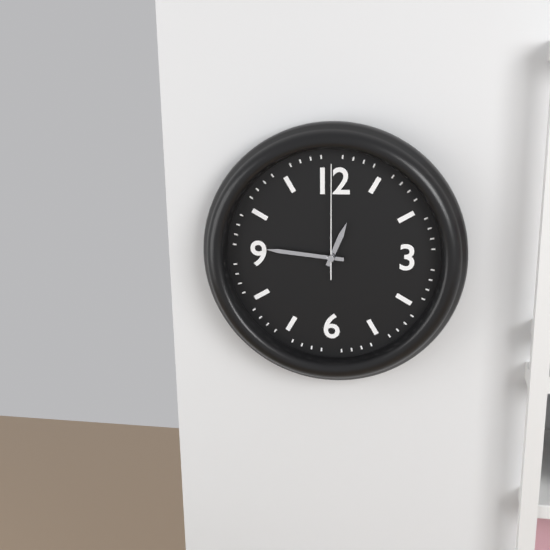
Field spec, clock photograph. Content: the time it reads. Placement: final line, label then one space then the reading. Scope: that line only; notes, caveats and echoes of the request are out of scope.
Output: 12:46:00
